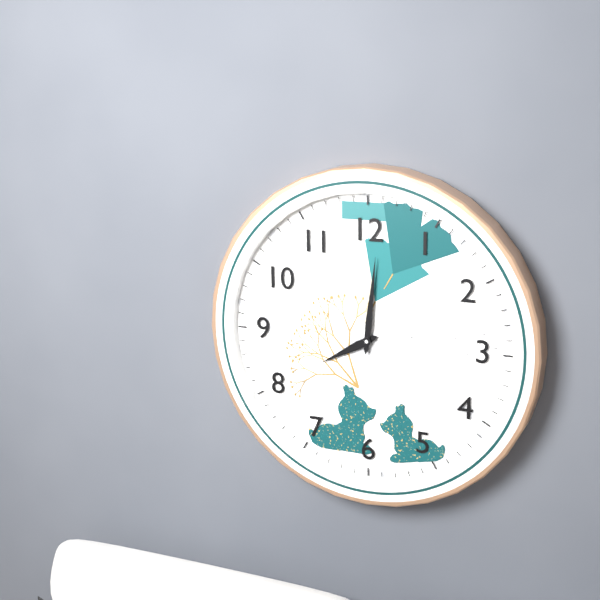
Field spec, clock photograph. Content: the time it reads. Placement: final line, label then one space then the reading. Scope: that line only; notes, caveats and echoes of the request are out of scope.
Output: 8:01
